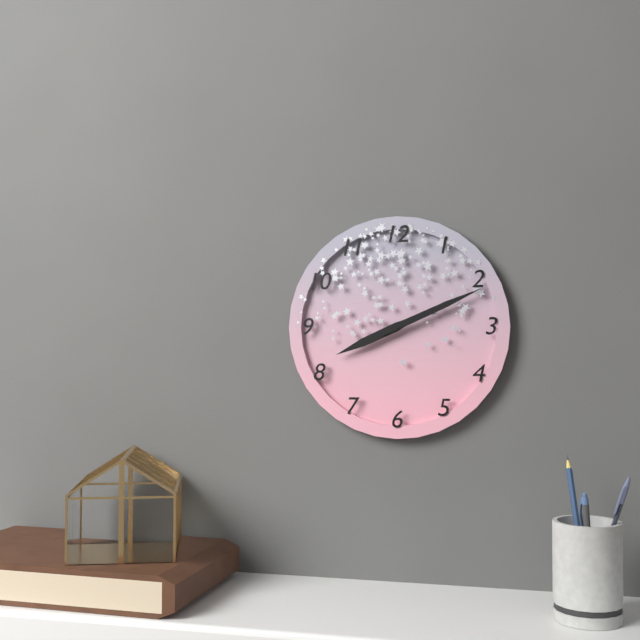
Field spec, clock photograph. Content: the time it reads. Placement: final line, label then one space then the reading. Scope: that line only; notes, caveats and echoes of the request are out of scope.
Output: 8:11
